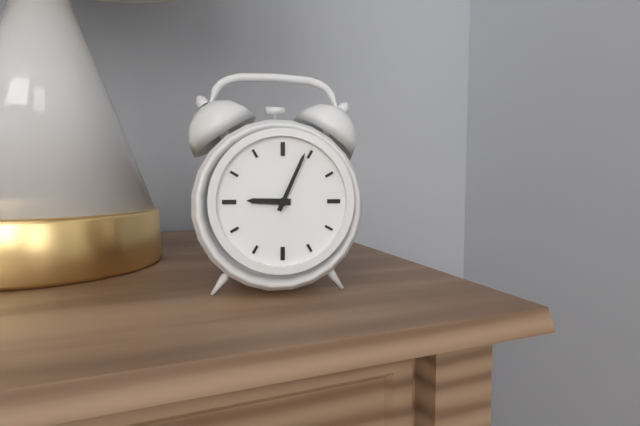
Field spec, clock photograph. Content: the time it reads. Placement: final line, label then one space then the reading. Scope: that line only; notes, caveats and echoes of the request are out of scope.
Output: 9:04
